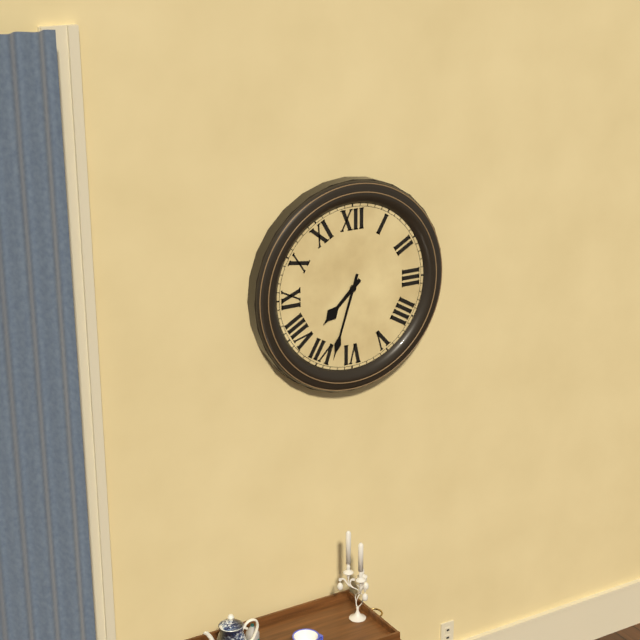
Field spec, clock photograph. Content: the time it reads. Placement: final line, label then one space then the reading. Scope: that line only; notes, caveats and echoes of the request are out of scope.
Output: 7:33
